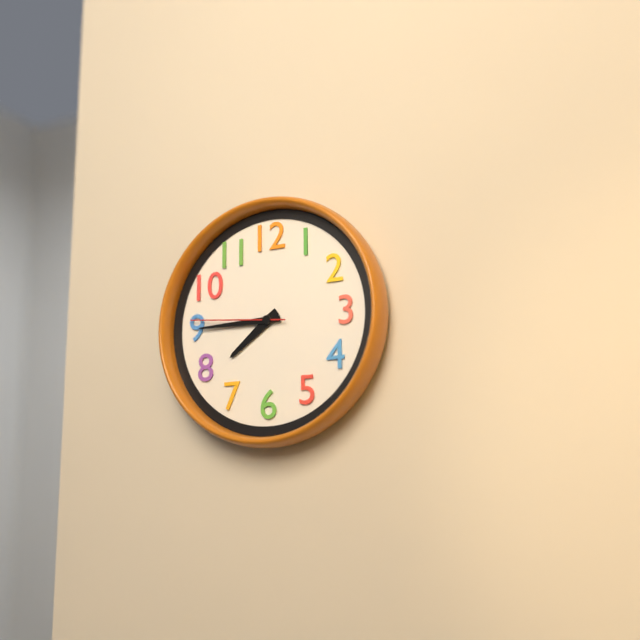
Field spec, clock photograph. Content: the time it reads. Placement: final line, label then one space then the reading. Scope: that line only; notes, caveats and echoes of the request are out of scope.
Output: 7:45:46
